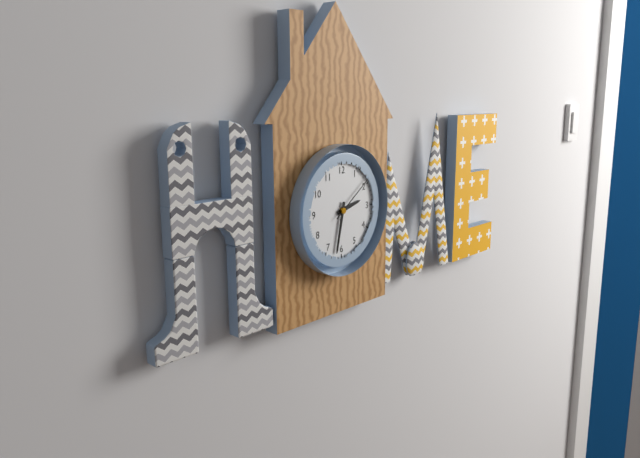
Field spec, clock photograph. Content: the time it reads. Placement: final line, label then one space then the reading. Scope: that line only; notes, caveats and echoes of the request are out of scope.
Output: 2:32:09
